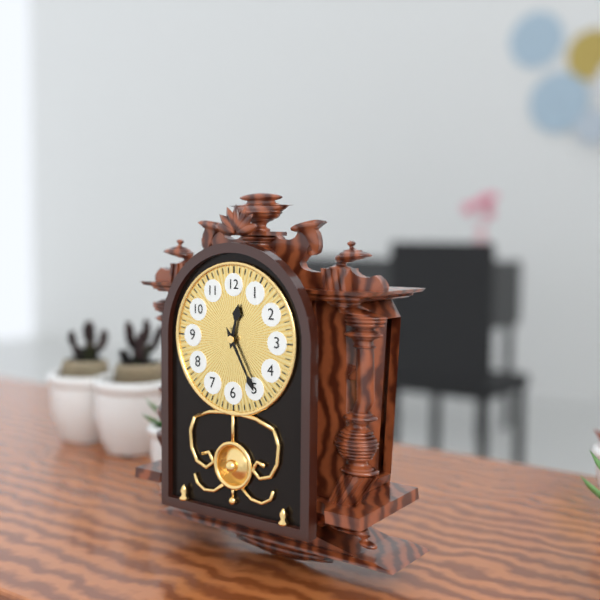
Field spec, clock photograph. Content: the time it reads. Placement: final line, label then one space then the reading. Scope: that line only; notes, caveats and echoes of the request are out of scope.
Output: 12:25
